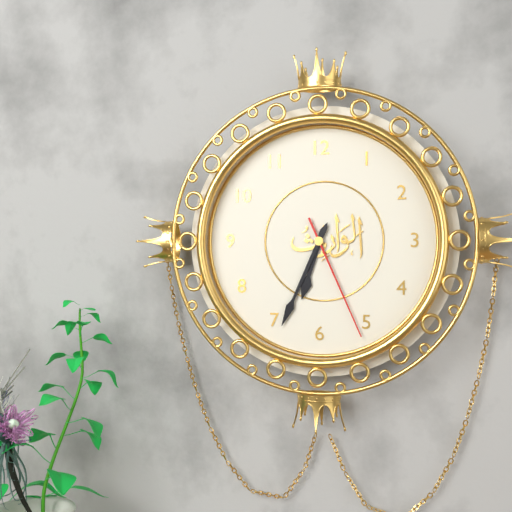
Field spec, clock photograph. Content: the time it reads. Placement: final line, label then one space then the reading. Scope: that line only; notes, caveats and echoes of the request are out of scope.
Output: 6:34:26
